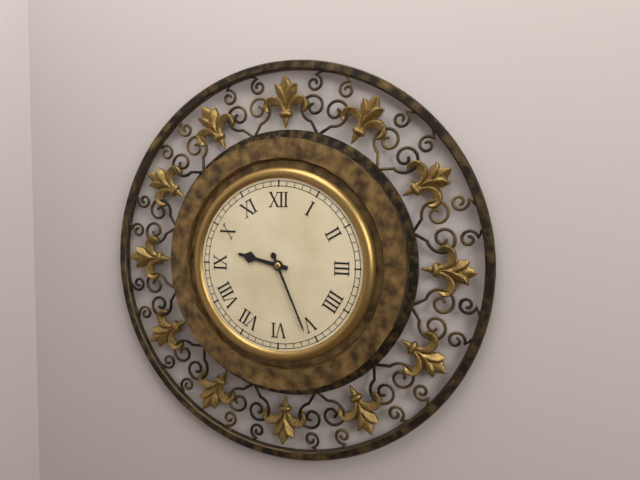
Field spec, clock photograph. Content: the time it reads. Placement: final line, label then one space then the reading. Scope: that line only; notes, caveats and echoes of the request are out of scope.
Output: 9:26
